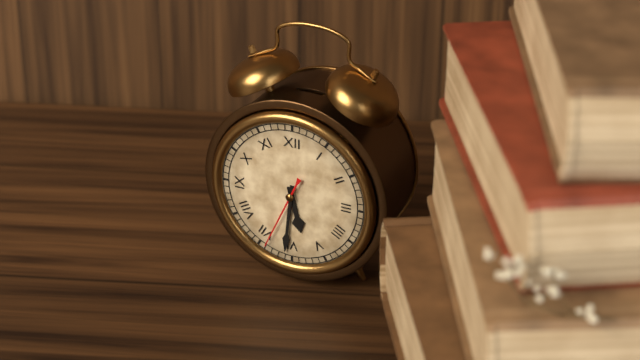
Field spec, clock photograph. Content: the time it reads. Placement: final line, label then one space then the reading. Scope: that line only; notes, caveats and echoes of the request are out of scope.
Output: 5:31:34
